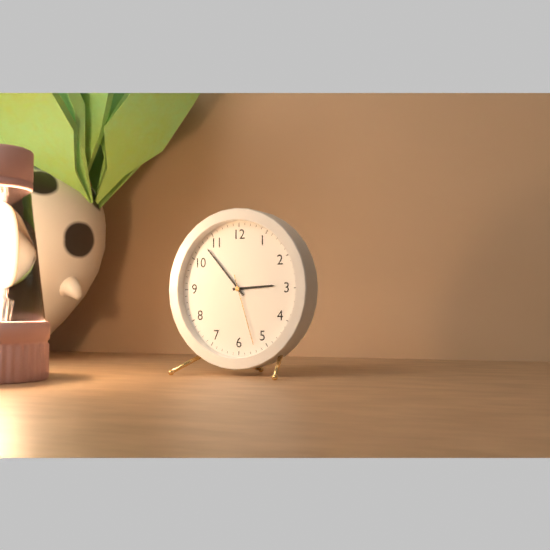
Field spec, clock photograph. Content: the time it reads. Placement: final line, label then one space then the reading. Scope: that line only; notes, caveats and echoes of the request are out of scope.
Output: 2:53:27
